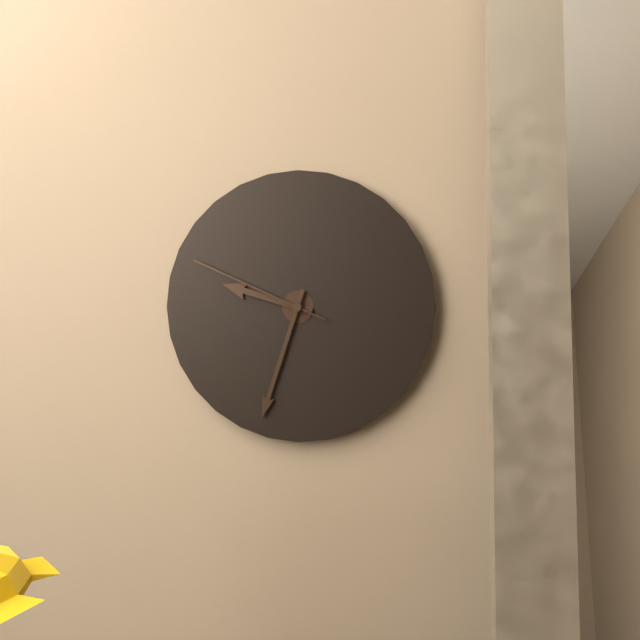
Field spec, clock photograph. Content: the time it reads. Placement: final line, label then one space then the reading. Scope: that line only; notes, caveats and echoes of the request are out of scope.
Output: 9:33:49
